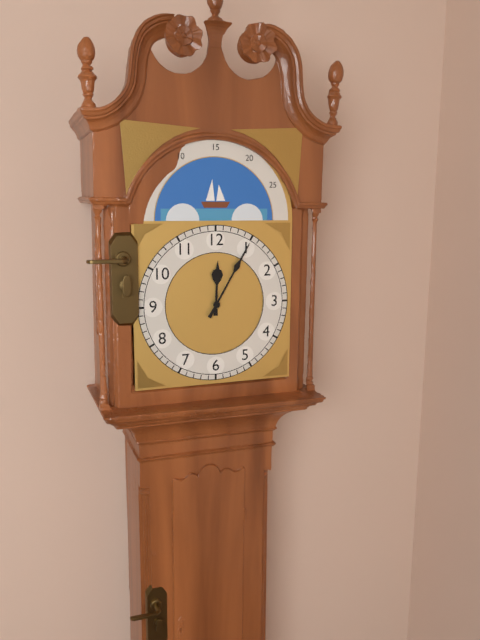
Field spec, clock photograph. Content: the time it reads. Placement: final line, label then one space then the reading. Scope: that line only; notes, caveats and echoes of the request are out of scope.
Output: 12:05
